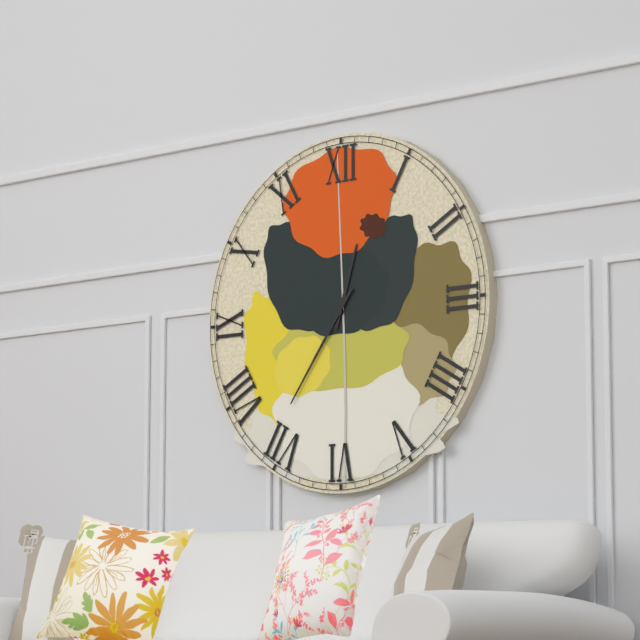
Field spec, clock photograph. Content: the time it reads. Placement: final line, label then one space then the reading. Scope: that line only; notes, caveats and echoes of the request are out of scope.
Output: 12:36
